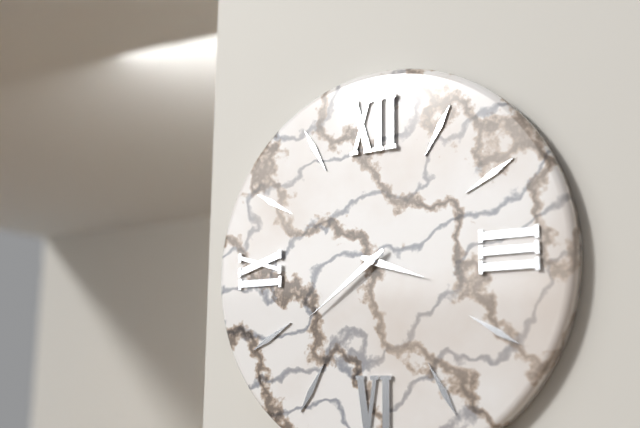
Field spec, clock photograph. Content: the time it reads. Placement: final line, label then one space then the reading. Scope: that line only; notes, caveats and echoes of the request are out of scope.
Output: 3:39
